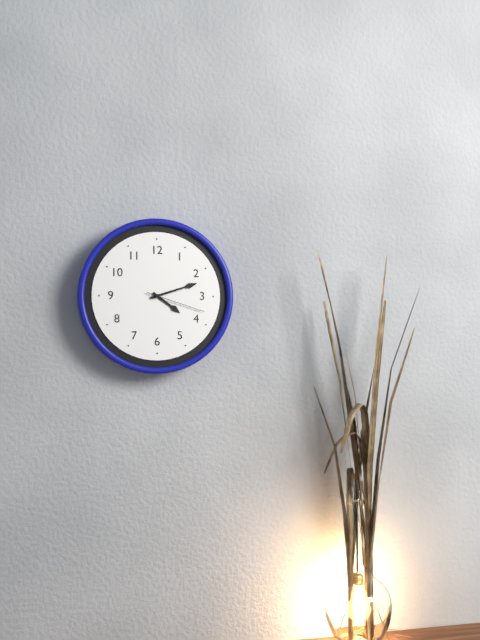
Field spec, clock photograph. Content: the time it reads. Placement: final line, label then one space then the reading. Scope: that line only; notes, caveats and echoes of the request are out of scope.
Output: 4:12:18
